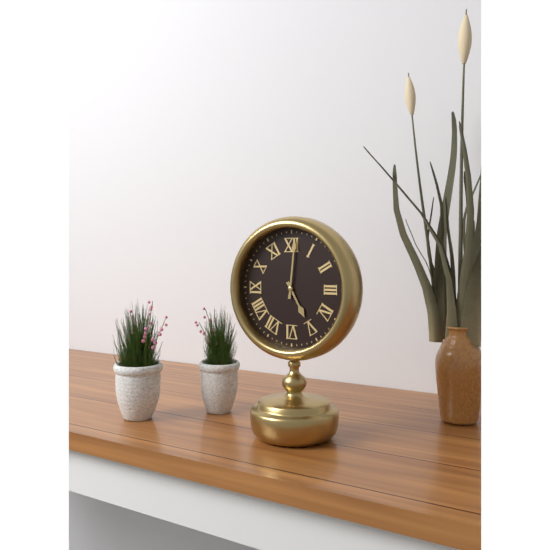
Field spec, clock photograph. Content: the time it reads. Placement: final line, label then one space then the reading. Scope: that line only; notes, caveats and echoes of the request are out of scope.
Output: 5:01
